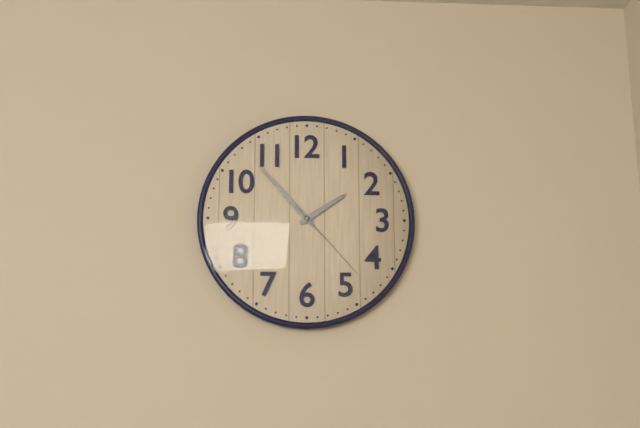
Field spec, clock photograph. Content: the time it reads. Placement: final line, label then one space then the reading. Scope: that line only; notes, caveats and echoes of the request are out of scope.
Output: 1:53:23
